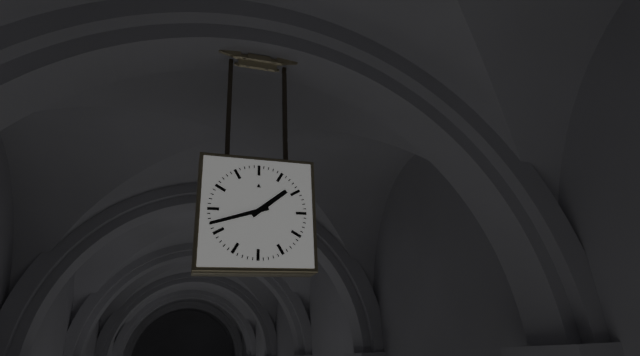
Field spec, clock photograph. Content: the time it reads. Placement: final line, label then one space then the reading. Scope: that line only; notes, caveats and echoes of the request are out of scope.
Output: 1:42
